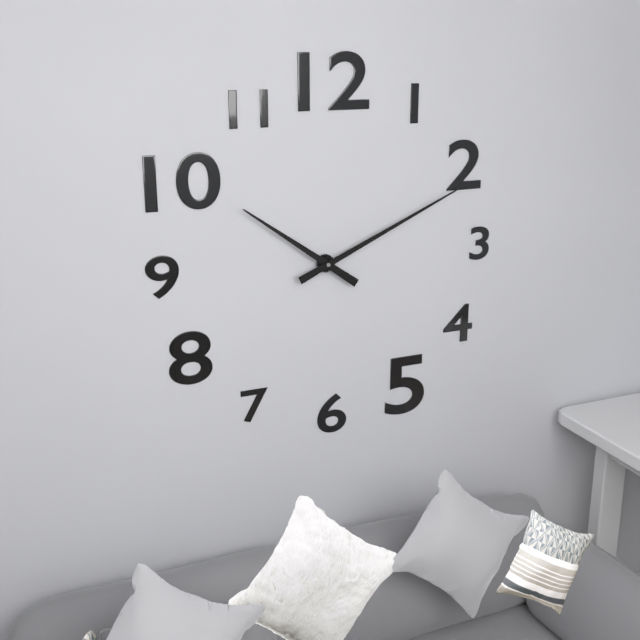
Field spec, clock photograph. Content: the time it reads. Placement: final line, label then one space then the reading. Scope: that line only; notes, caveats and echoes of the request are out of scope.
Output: 10:11
